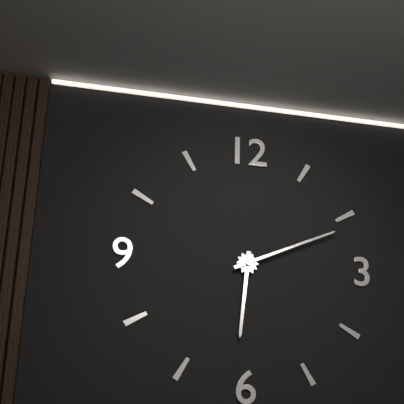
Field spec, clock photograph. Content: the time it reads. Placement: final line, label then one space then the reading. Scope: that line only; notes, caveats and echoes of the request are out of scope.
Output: 6:11
